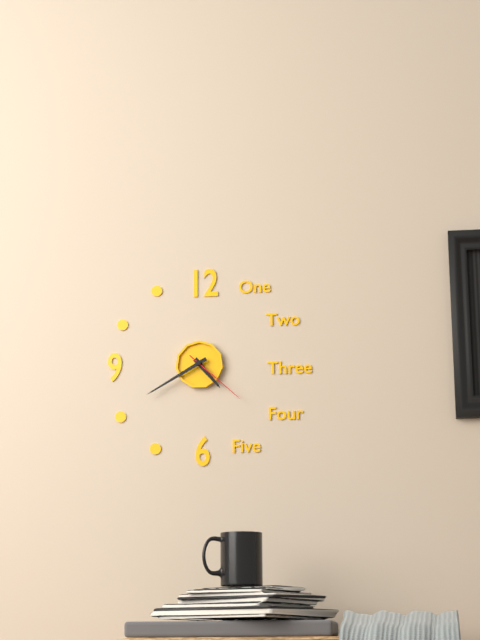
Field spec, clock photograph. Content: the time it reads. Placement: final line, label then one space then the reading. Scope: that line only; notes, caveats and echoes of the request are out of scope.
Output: 4:40:22
